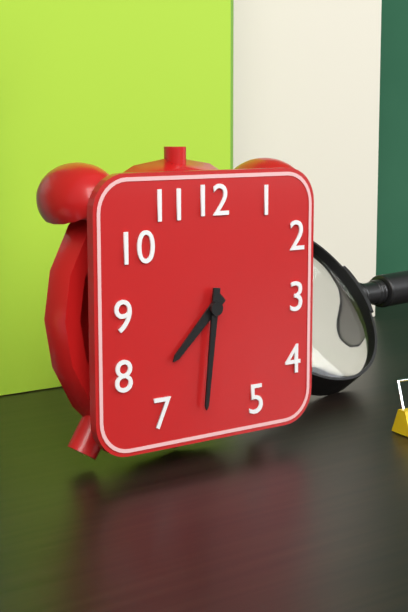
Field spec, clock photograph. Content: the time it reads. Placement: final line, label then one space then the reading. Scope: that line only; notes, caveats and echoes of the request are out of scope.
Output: 7:31
